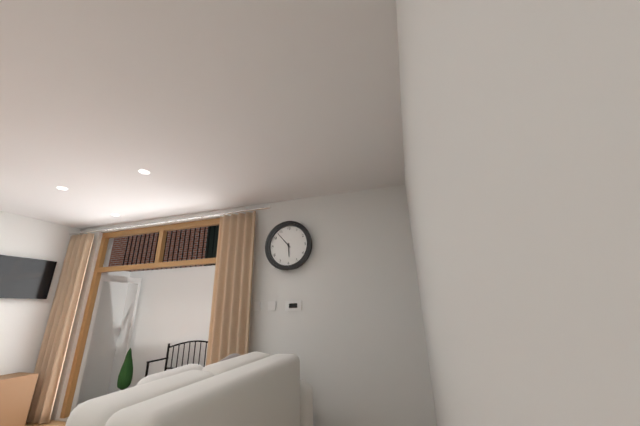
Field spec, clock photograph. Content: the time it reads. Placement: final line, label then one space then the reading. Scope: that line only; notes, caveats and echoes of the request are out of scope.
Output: 5:53
